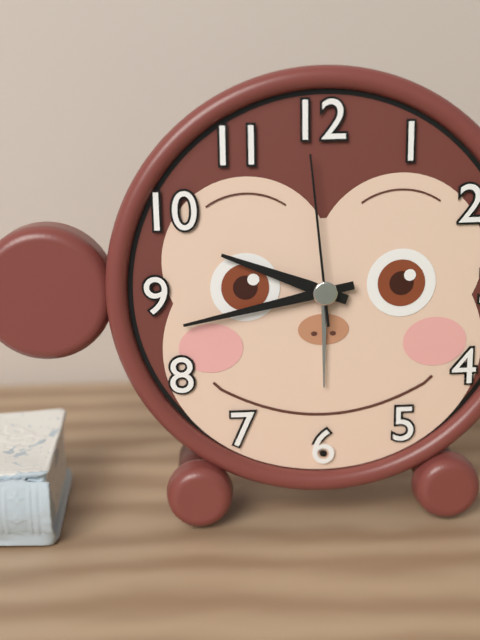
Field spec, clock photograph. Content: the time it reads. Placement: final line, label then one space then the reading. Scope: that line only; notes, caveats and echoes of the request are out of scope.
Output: 9:43:59
